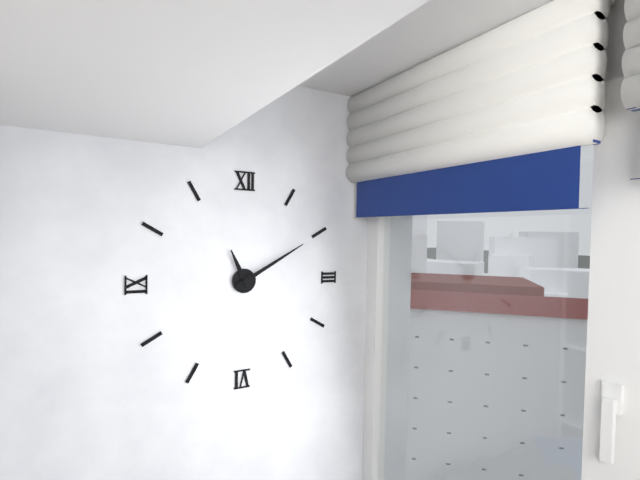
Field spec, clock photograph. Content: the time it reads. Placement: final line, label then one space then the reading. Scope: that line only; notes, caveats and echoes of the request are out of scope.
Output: 11:10
